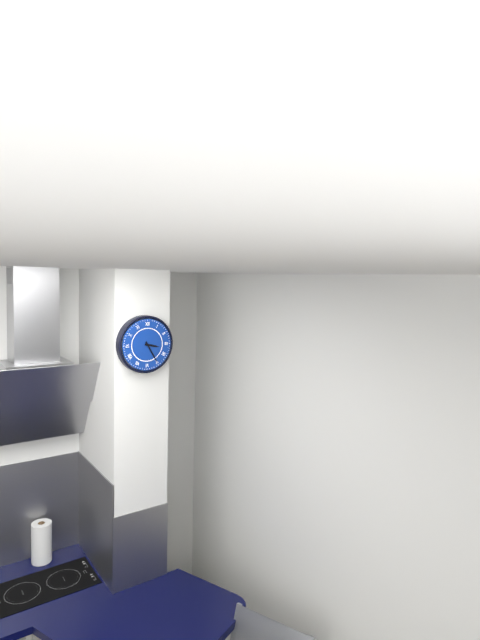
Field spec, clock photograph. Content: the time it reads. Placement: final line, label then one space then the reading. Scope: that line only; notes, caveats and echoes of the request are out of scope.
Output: 3:25
